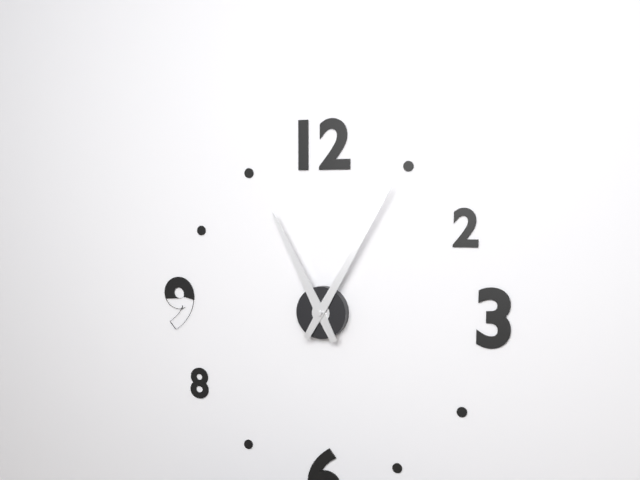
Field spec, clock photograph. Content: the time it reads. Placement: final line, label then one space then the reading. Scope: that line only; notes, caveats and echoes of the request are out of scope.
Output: 11:05
